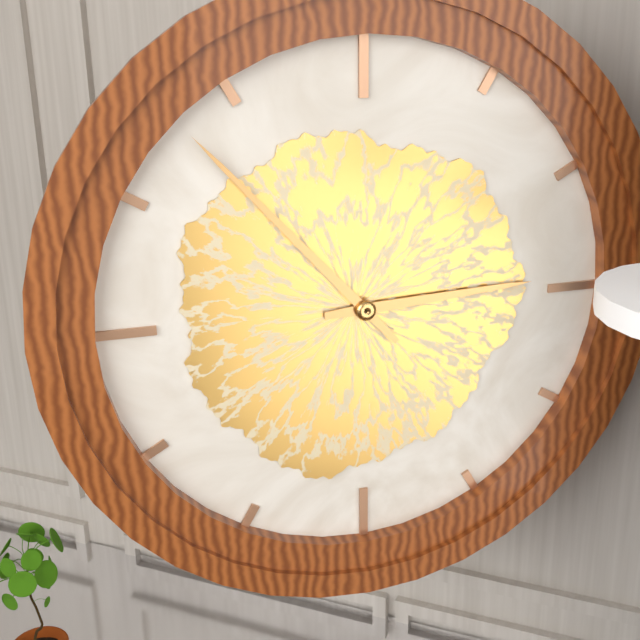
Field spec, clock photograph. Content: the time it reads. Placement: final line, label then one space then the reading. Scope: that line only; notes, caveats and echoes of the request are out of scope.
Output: 2:53
